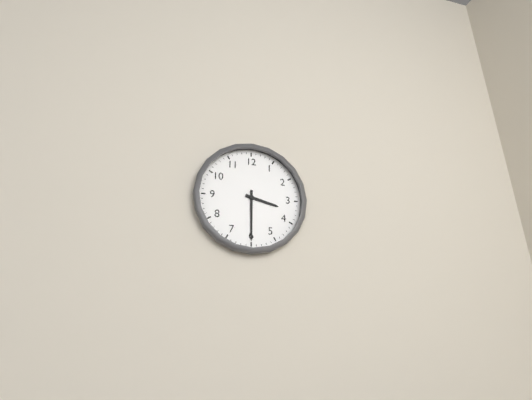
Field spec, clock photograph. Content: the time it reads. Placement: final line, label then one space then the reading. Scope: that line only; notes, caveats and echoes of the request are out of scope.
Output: 3:30
